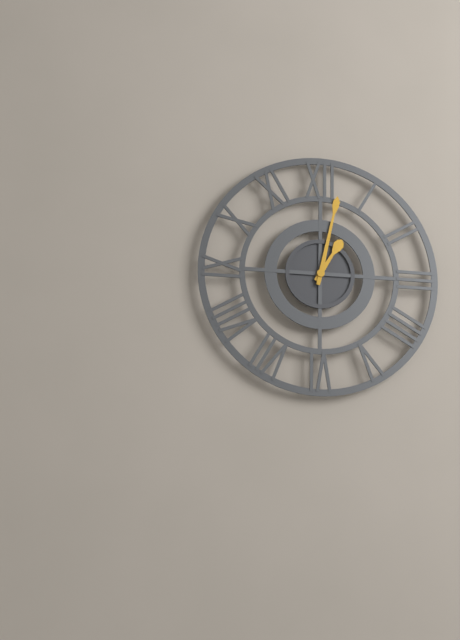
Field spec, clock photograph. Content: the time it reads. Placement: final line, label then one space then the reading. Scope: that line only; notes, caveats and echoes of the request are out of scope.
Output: 1:02
